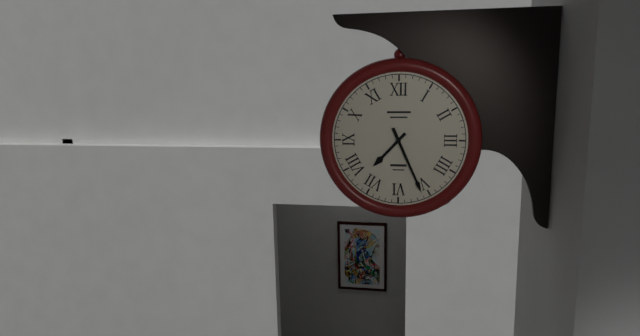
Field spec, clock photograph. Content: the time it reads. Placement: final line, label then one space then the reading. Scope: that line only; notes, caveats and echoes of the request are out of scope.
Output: 7:26
